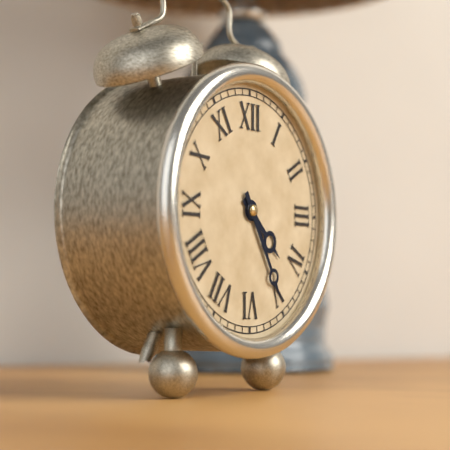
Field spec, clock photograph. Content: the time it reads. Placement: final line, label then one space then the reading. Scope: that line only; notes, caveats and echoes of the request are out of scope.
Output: 4:25
